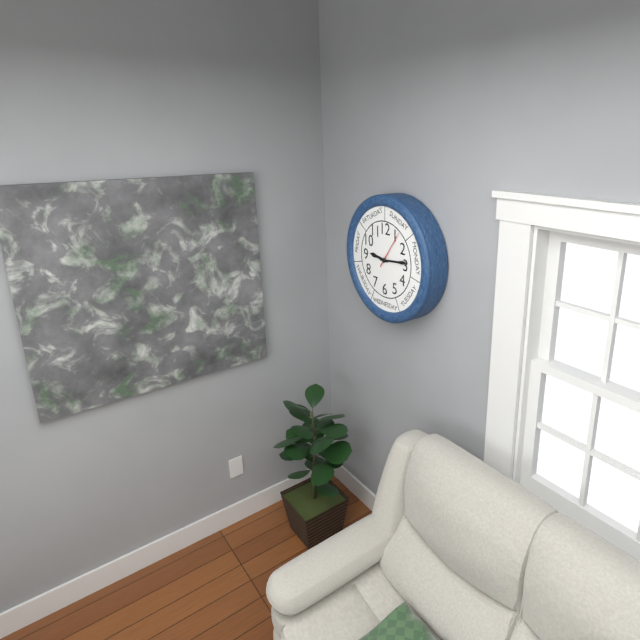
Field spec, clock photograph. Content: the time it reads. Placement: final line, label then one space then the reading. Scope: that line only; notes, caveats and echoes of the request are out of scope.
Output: 9:14
